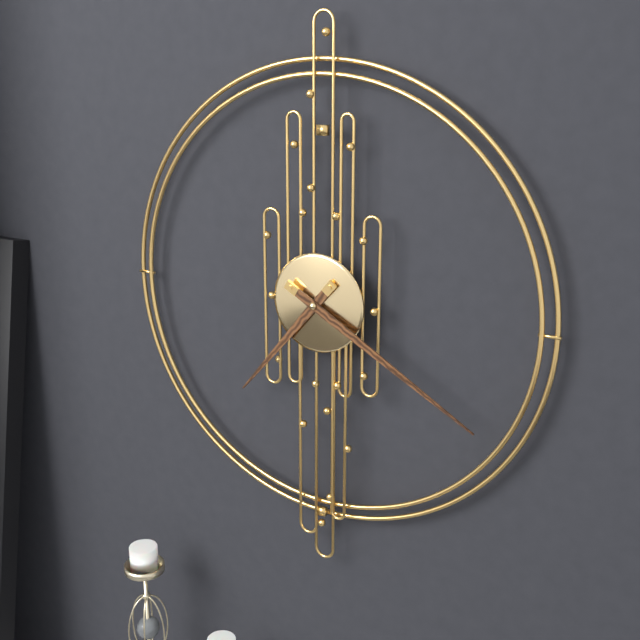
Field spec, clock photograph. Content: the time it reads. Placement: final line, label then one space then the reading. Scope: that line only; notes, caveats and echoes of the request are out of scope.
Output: 7:20
